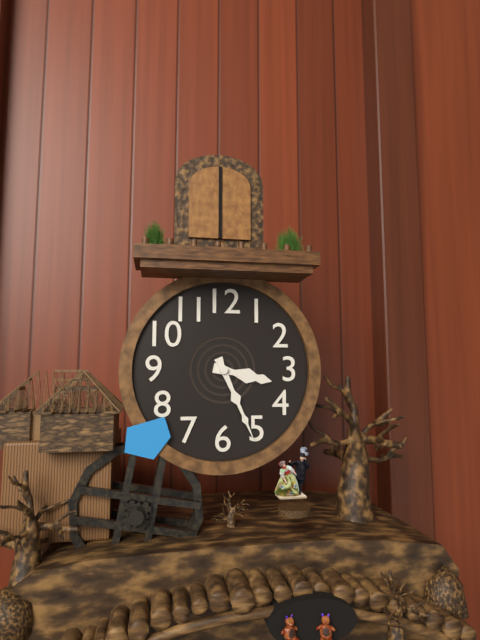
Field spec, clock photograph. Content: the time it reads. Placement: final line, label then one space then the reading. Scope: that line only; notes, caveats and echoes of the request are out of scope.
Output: 3:26
